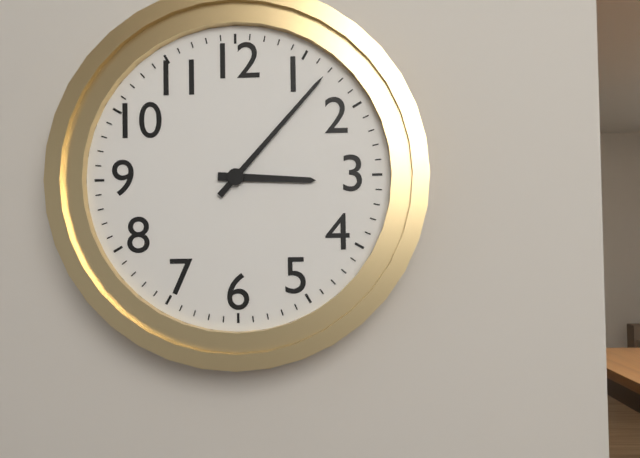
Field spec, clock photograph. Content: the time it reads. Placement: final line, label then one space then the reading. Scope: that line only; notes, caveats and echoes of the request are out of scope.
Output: 3:07
